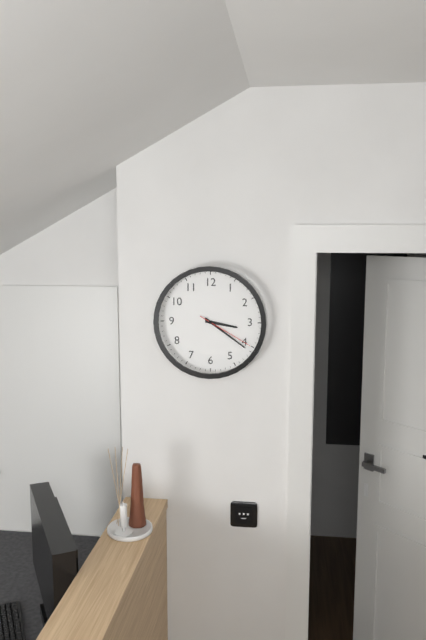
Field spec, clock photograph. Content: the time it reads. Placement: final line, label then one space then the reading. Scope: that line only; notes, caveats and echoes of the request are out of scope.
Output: 3:21:20
